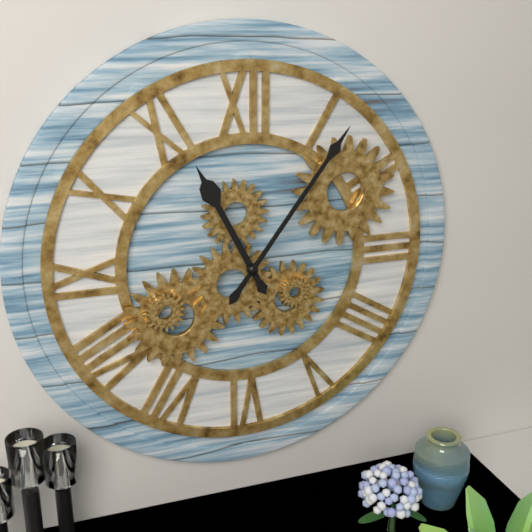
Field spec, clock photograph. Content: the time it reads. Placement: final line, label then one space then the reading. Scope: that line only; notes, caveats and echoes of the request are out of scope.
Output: 11:06
